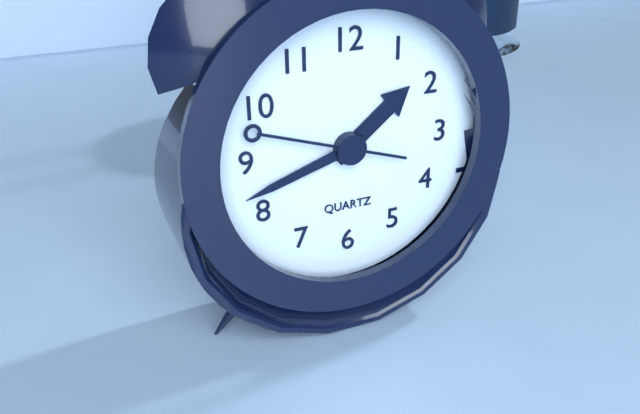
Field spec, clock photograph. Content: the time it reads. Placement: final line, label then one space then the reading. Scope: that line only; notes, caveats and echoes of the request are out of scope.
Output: 1:42:48
